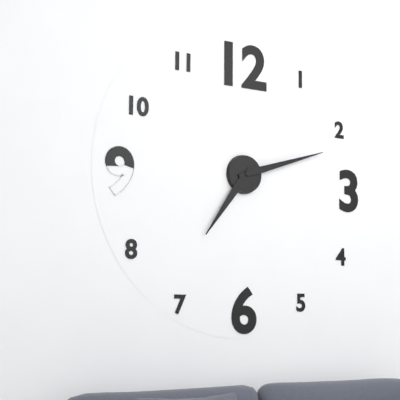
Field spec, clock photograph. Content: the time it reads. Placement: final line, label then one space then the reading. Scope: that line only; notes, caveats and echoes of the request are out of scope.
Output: 7:12
